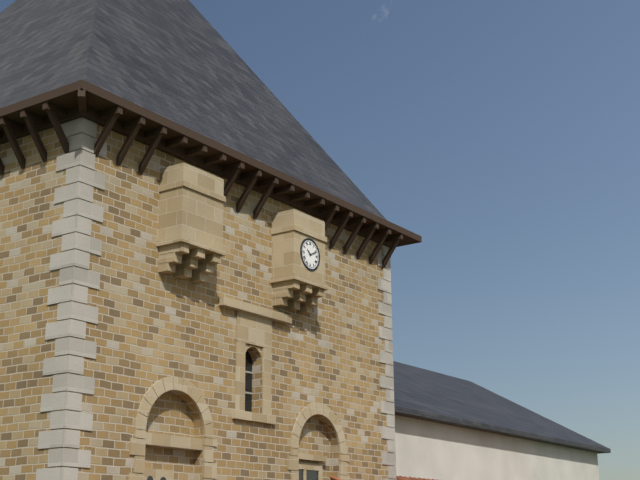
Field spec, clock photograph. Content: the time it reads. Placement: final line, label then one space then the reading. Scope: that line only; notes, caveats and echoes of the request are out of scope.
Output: 10:11
